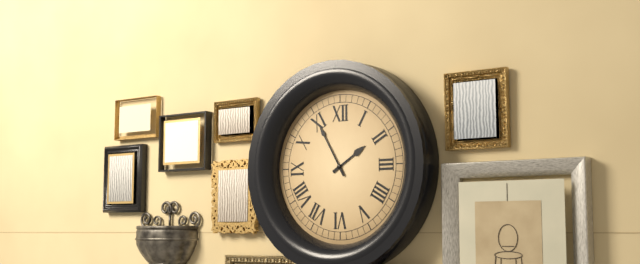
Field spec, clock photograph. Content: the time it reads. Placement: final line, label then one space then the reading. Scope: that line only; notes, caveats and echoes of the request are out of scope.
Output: 1:55
